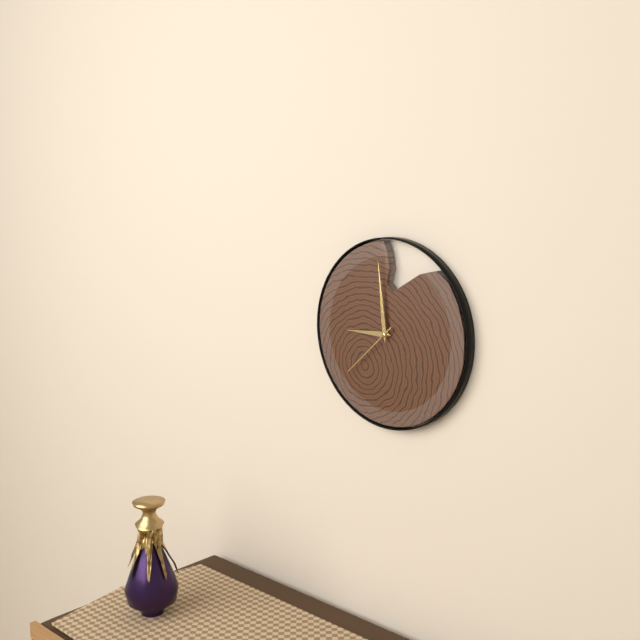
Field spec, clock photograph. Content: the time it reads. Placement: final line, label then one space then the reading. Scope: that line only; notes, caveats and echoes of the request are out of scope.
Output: 8:59:38
